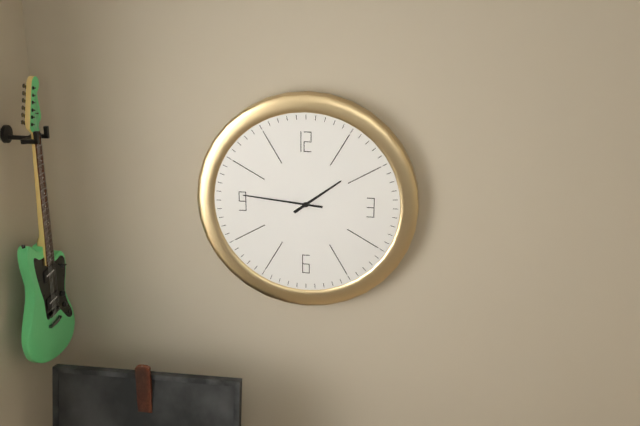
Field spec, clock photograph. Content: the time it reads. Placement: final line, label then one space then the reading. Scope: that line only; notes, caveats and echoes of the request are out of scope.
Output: 1:46
